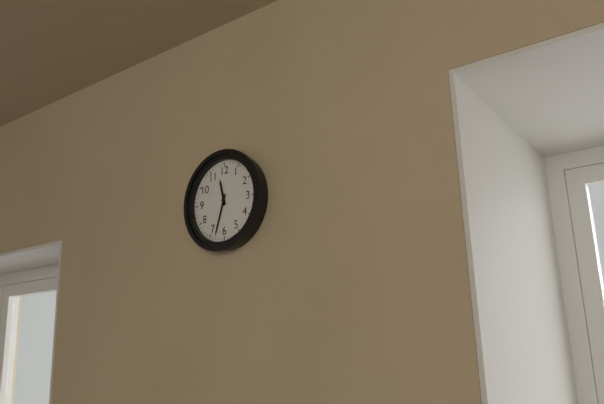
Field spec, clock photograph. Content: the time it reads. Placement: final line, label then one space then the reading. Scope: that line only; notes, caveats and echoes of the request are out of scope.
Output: 11:33
